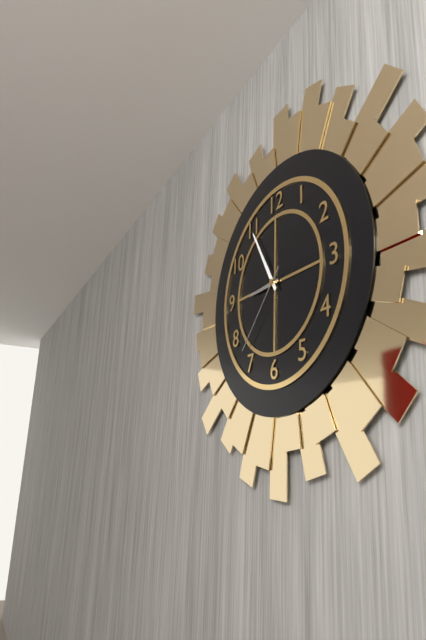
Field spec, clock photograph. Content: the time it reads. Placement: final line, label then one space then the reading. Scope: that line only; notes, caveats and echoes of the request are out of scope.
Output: 8:55:37
